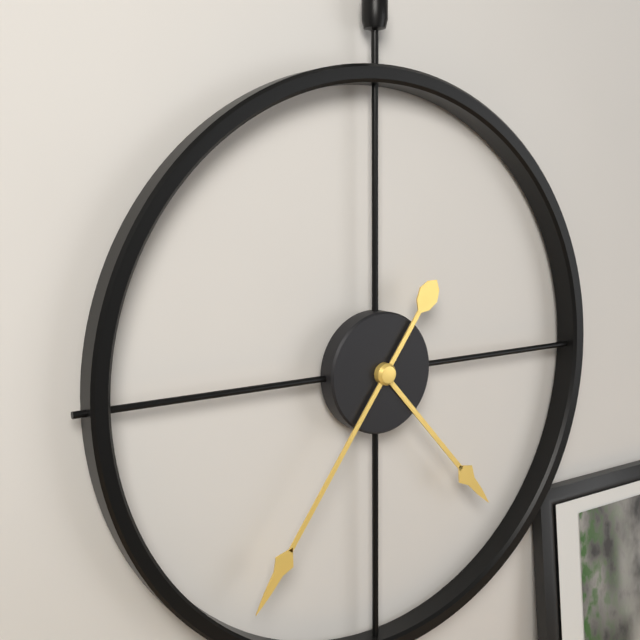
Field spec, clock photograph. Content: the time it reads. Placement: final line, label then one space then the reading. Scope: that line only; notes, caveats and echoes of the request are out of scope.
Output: 4:36
